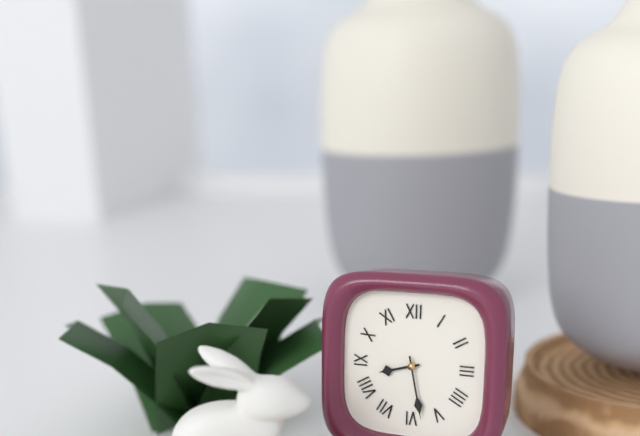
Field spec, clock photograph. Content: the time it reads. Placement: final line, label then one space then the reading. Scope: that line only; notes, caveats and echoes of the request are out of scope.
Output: 8:28
